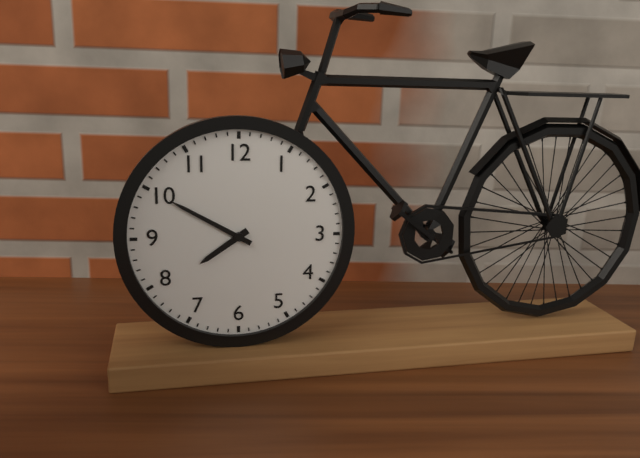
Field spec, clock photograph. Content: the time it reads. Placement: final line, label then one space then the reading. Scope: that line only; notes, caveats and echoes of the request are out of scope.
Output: 7:50
